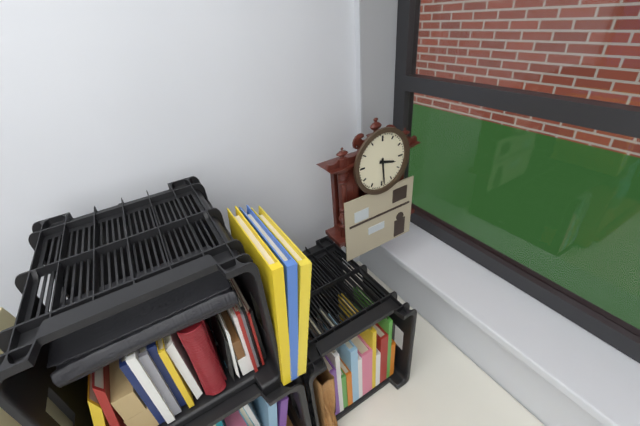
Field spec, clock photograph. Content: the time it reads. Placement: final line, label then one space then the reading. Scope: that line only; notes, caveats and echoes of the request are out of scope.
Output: 3:29
